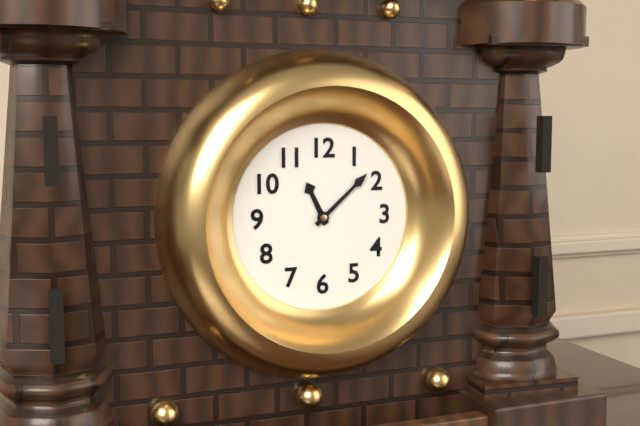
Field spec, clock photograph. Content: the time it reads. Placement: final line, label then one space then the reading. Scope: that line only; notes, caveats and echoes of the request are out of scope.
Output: 11:08
